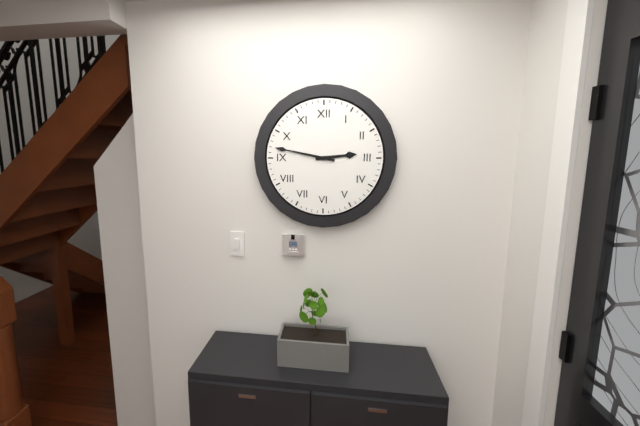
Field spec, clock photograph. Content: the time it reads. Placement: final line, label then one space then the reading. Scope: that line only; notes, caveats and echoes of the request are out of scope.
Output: 2:47
